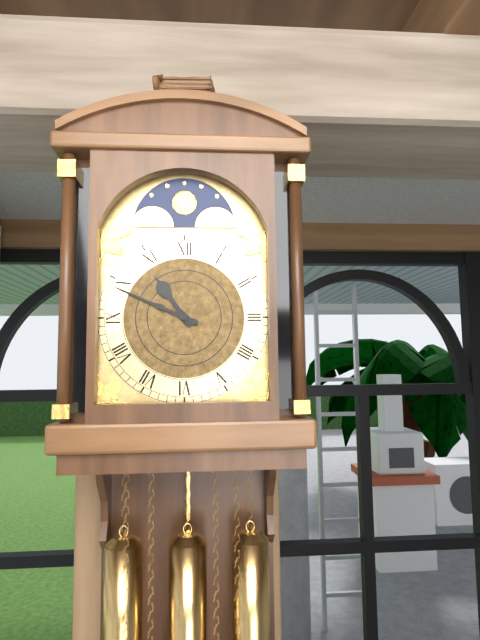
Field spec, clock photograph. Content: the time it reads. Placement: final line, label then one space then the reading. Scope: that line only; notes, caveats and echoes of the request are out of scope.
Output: 10:49
